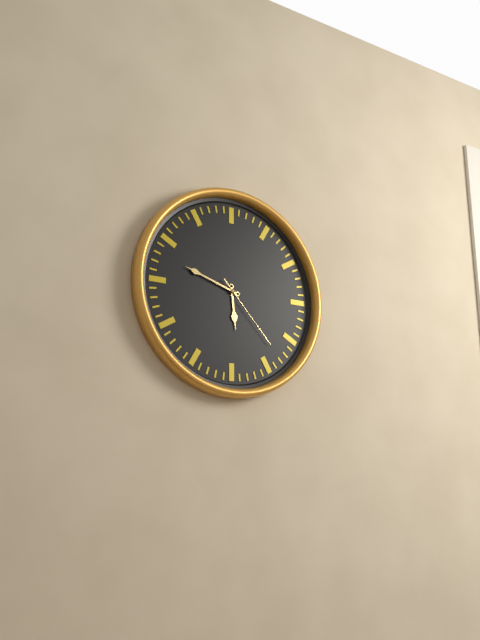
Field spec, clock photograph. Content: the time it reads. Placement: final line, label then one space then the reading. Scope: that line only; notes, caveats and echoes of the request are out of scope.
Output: 5:48:23
